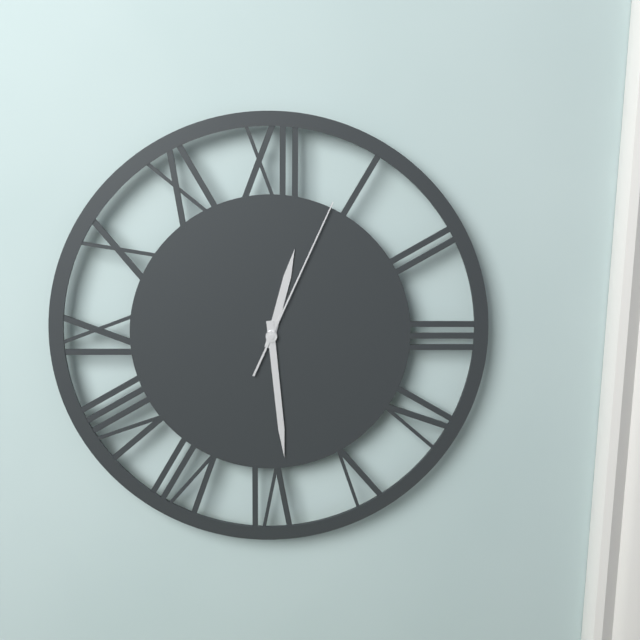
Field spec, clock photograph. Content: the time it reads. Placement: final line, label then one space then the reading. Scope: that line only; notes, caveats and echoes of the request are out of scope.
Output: 12:29:04
